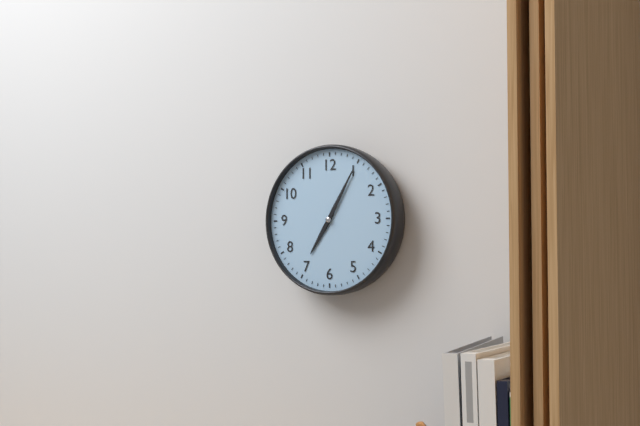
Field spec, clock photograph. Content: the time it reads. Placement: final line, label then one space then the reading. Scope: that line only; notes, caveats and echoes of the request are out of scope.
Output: 7:05
